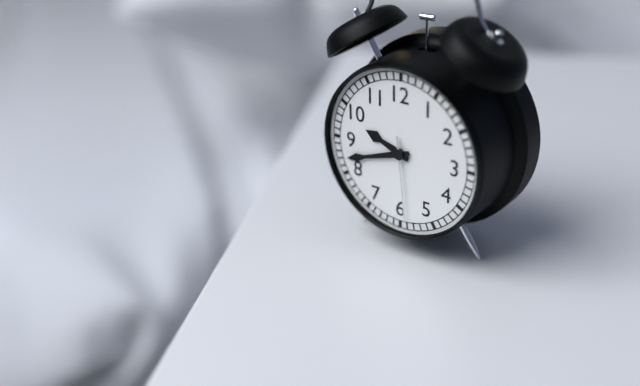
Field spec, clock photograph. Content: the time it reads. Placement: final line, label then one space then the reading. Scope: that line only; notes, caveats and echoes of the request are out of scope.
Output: 9:42:29
